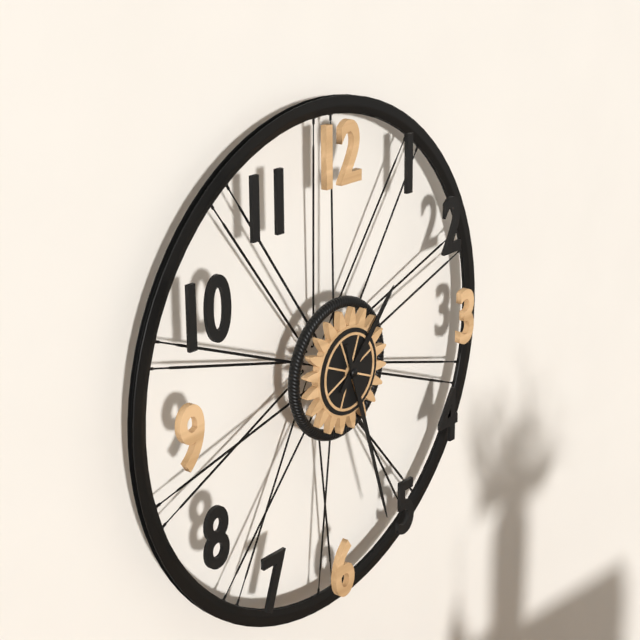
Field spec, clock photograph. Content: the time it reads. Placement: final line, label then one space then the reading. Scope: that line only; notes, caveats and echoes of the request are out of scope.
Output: 1:27
